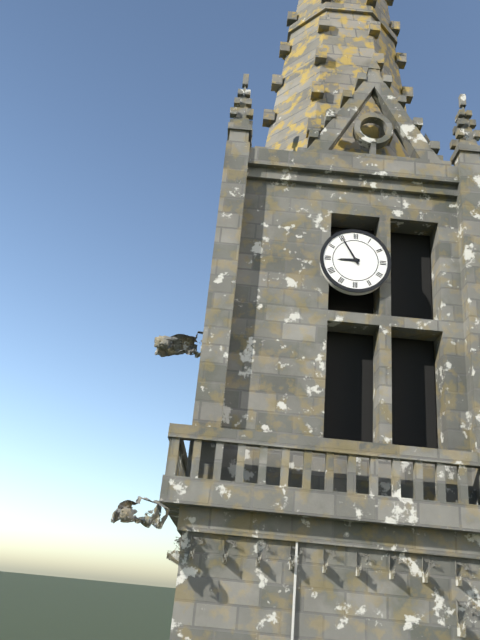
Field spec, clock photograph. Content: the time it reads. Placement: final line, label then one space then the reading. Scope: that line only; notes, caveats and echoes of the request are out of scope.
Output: 8:55
